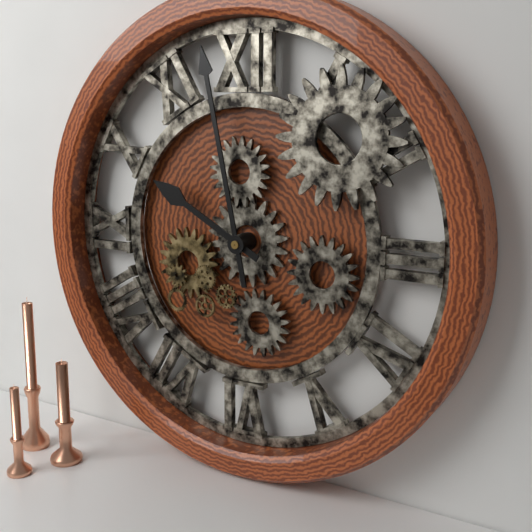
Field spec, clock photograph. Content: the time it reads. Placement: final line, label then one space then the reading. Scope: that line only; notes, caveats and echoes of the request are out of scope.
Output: 9:58
